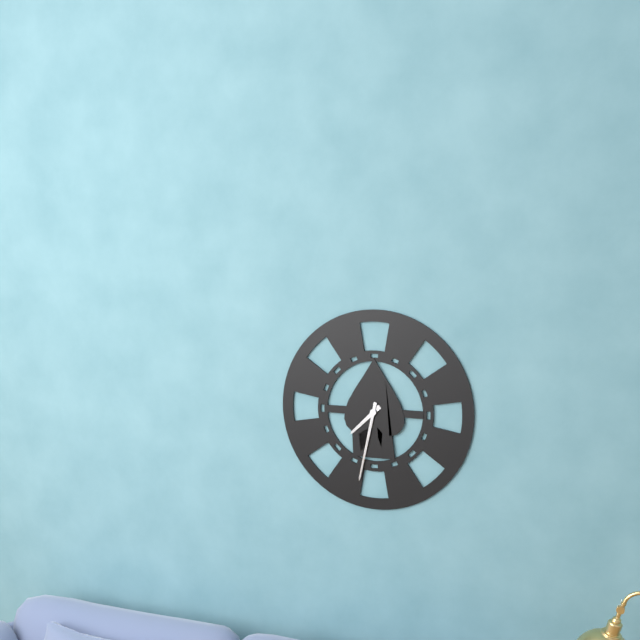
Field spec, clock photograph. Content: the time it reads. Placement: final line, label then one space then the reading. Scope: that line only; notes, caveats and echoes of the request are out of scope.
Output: 7:32
